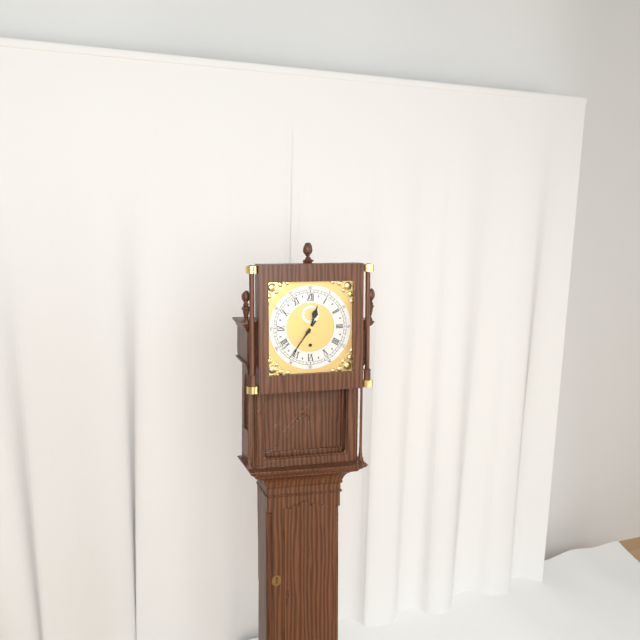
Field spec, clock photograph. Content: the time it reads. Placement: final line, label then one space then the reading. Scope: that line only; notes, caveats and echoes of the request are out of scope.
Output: 12:36
